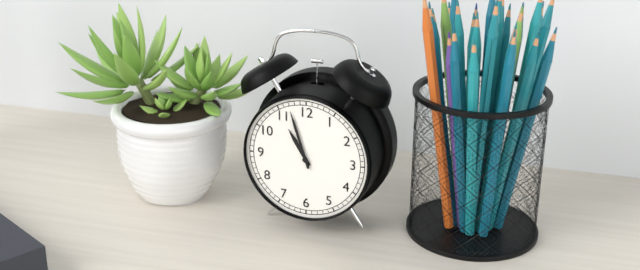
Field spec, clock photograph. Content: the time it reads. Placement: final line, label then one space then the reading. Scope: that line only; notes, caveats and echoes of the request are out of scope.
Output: 10:57
